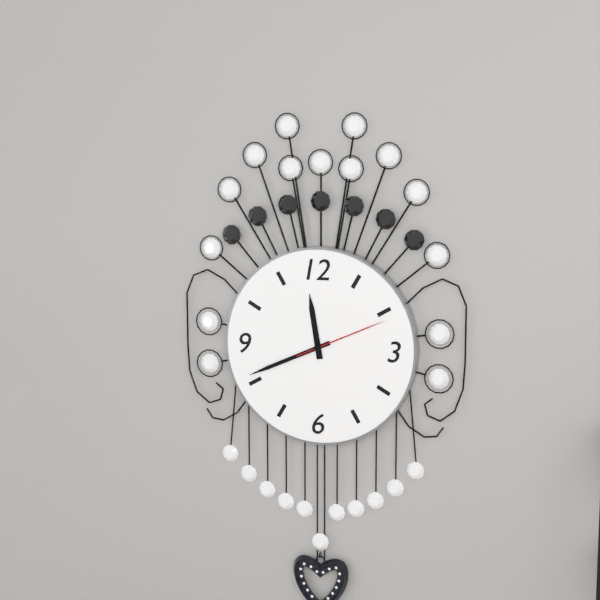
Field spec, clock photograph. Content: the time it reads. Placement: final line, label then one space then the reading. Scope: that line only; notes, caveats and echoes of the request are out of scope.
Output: 11:41:11
